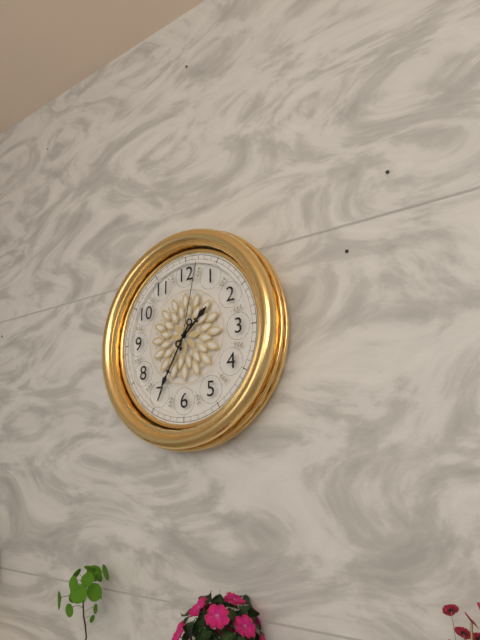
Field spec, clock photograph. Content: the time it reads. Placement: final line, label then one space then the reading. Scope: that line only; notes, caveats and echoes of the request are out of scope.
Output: 1:35:02
